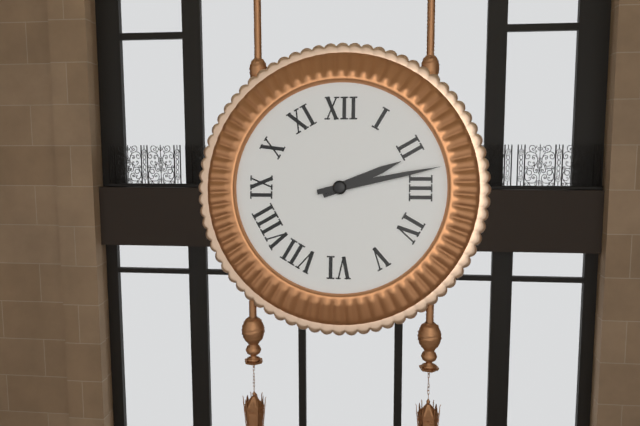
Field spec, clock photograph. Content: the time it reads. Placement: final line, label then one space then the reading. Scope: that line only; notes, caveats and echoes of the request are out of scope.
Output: 2:13
